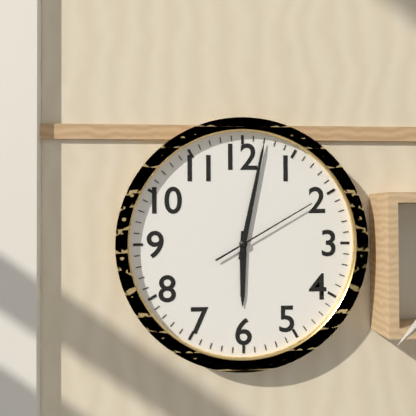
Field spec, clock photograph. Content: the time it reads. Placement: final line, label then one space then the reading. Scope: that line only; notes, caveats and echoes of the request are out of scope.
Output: 6:02:10
